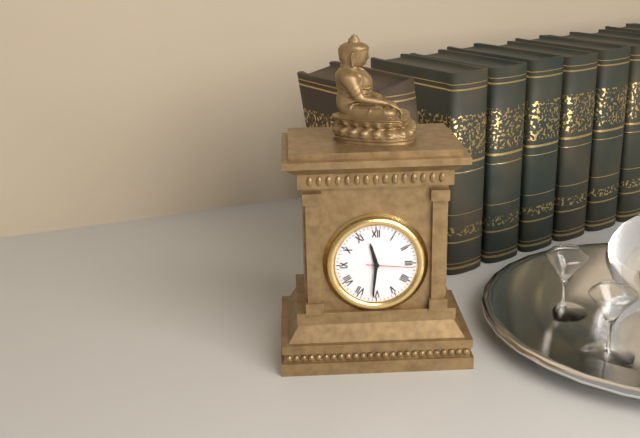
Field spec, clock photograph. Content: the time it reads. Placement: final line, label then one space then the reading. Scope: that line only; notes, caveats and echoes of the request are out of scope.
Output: 11:31
